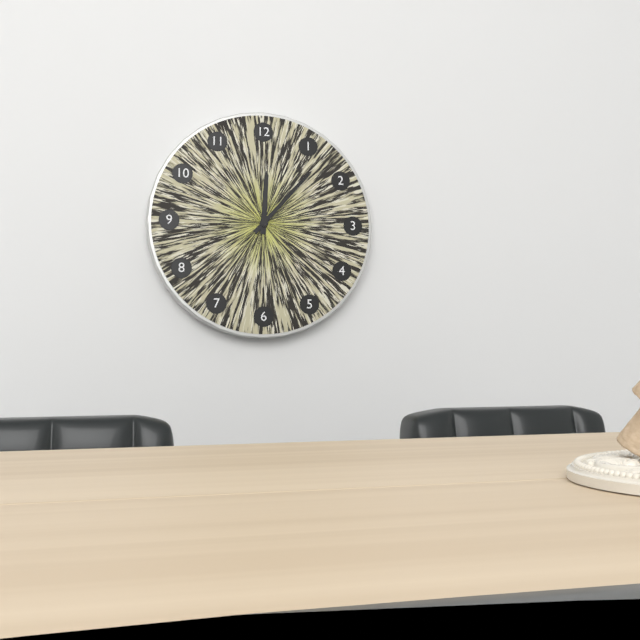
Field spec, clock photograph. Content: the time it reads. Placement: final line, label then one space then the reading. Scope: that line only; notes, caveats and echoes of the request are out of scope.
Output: 12:07
